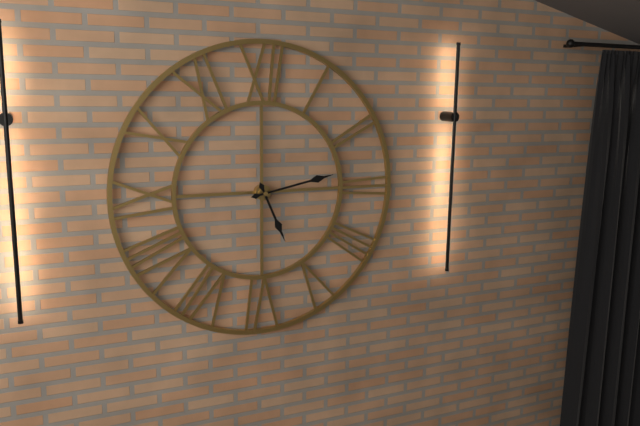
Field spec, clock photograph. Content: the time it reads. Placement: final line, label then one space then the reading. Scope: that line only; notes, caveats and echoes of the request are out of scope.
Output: 5:13
